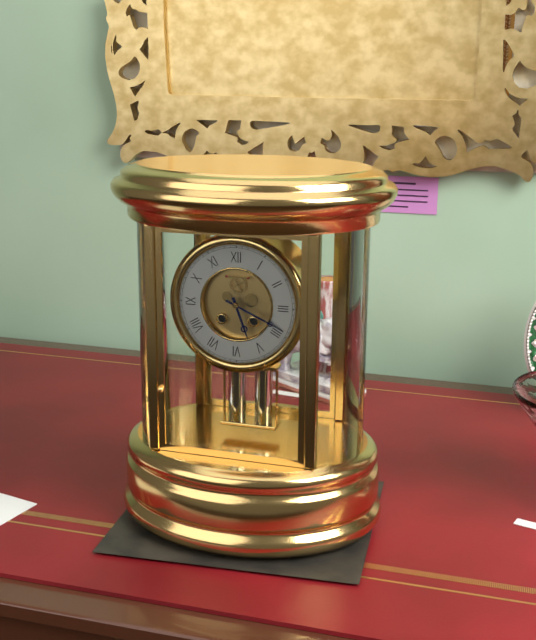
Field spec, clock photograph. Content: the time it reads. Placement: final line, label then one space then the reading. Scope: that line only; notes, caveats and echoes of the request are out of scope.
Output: 5:19
